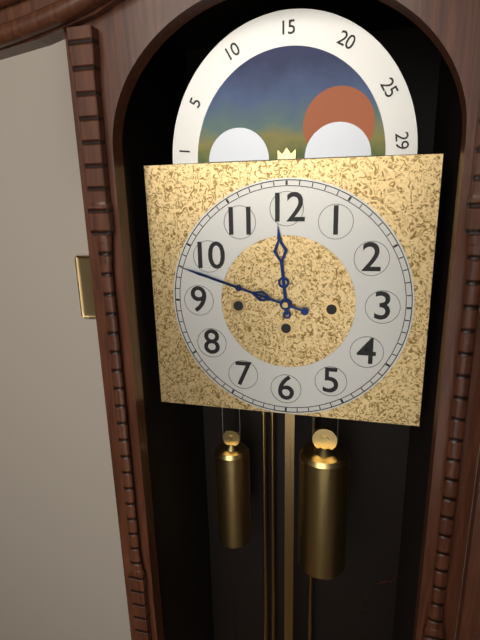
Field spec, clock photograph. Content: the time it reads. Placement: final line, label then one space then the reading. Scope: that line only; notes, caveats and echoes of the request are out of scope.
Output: 11:48
